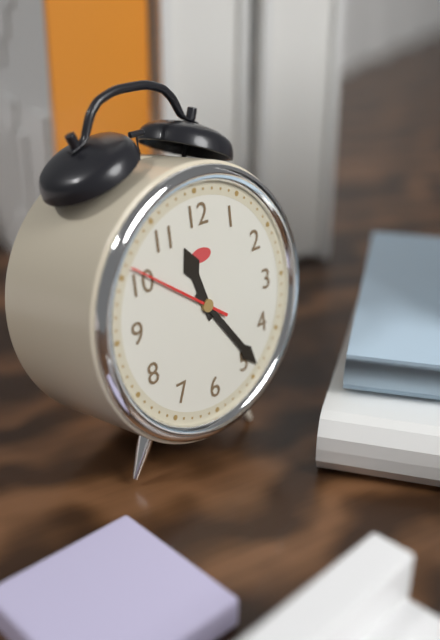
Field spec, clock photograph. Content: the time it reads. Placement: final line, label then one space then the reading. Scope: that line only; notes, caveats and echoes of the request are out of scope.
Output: 11:24:51
